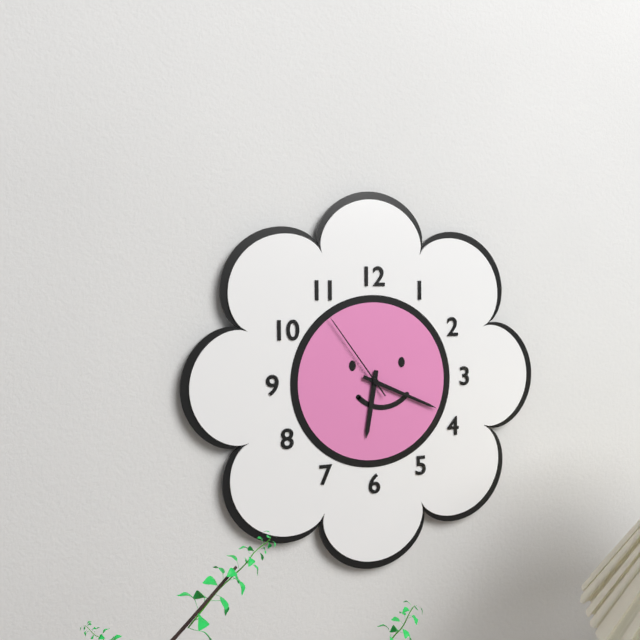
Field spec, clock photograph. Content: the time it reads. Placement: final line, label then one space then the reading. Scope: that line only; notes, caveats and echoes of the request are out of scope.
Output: 6:19:54
